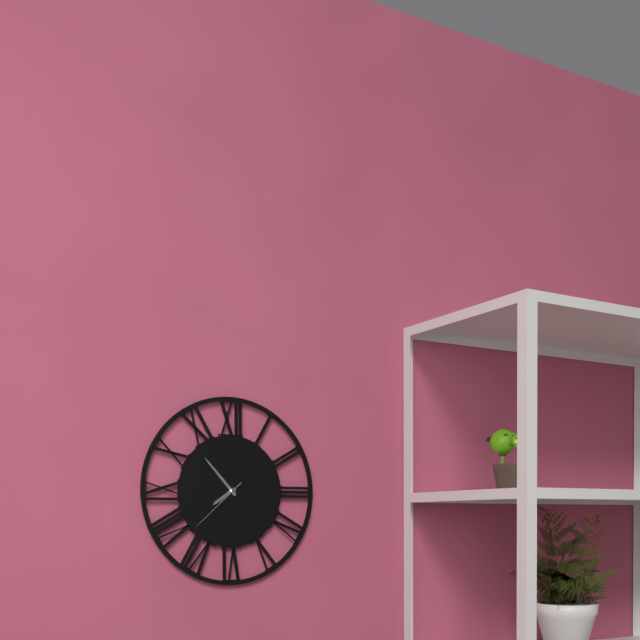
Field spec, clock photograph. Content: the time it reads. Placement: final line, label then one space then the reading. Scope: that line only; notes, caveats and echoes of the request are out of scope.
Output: 7:53:38
